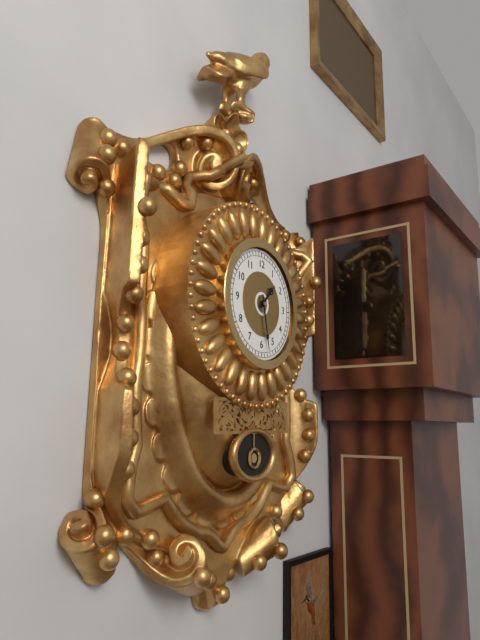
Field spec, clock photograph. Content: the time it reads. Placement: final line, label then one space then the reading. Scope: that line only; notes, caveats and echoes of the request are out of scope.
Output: 1:28
